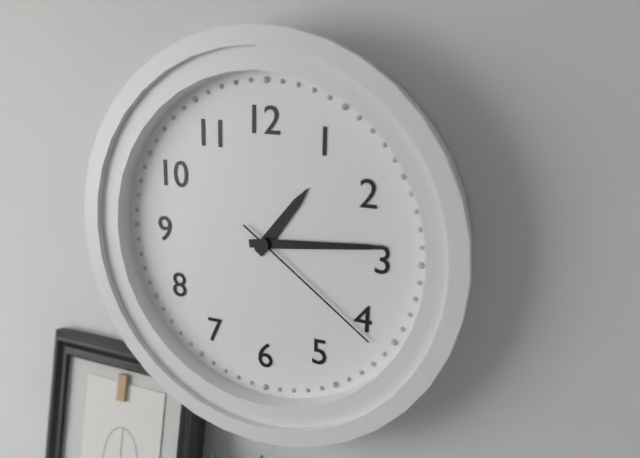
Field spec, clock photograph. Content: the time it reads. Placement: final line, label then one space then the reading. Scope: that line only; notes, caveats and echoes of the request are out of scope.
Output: 1:14:21
